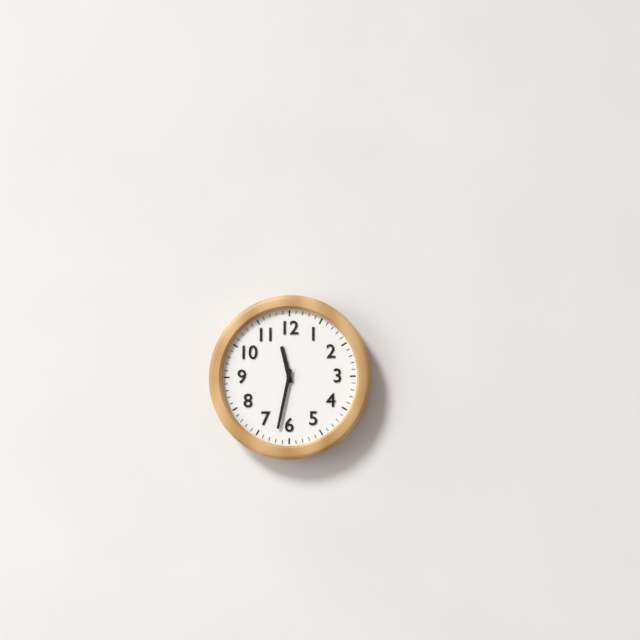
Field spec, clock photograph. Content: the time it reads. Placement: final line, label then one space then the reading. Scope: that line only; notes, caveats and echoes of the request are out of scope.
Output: 11:32
